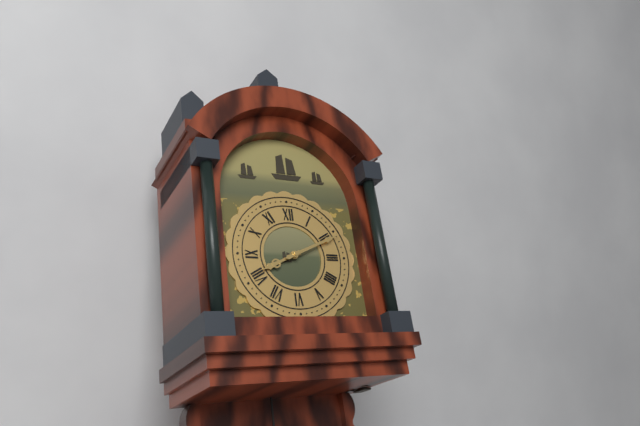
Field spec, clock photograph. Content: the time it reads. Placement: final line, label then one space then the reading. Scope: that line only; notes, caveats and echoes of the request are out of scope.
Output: 8:11
